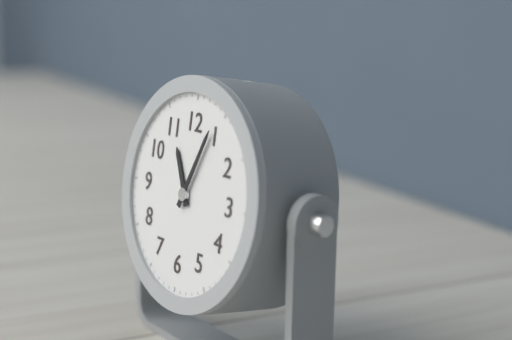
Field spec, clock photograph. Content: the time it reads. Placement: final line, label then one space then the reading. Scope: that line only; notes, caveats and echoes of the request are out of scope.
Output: 11:04
